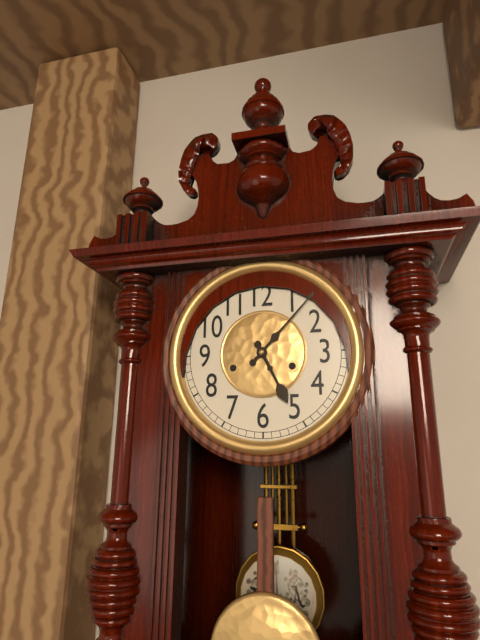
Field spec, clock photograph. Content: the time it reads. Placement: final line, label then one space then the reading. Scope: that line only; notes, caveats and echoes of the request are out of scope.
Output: 5:07
